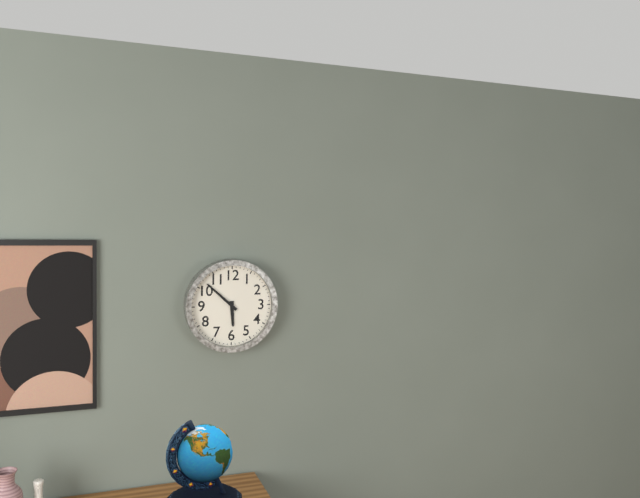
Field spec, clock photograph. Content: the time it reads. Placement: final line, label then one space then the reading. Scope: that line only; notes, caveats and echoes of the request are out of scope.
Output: 5:52
